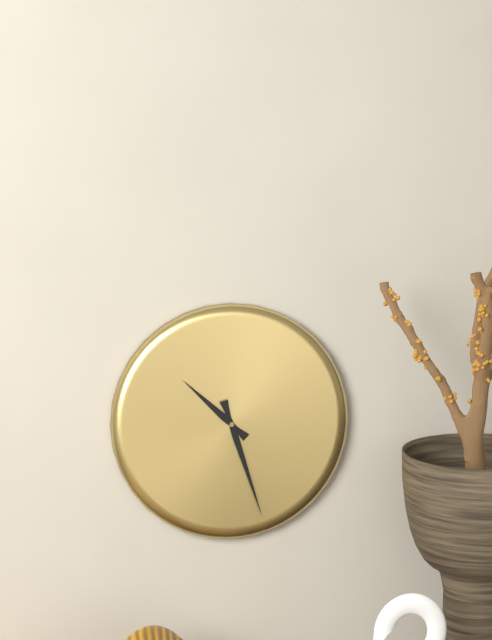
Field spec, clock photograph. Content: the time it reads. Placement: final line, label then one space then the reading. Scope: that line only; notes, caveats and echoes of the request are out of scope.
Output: 10:27
